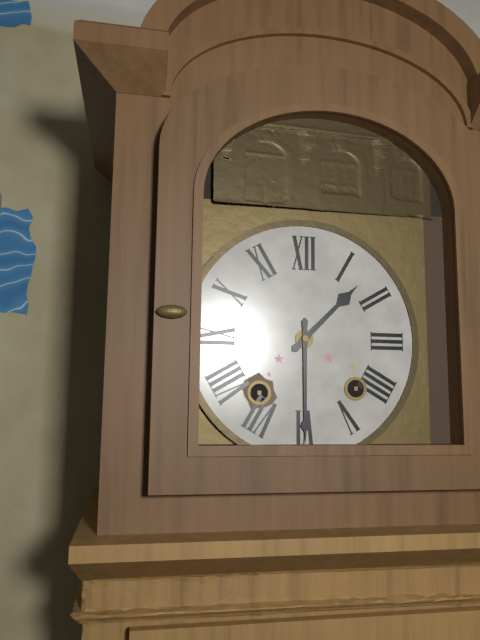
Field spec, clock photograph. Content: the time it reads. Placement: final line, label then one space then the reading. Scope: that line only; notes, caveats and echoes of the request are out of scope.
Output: 1:30
